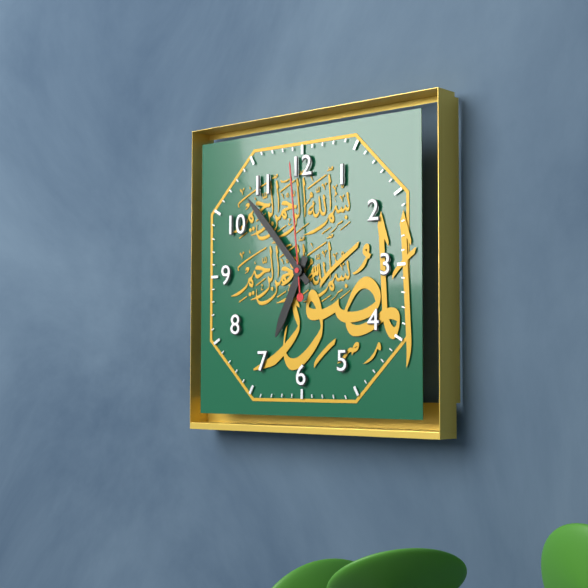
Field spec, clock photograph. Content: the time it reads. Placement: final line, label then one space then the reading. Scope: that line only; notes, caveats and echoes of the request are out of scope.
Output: 6:53:59
